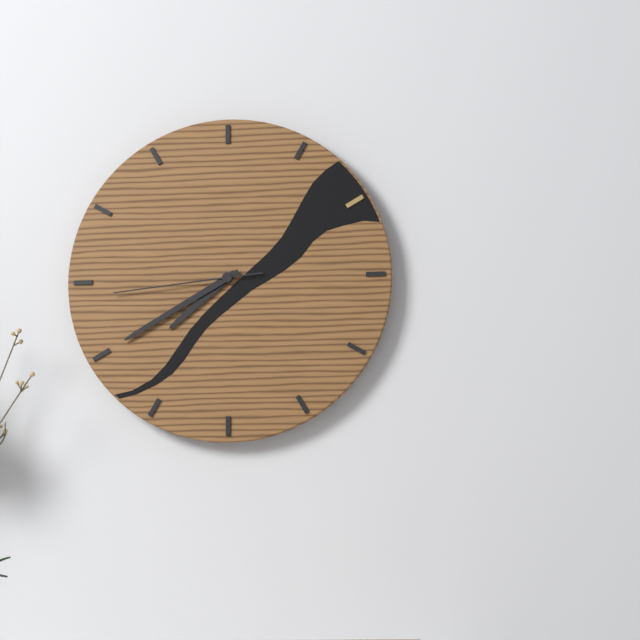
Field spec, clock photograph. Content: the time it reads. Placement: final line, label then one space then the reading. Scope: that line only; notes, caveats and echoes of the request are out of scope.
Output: 7:40:44
